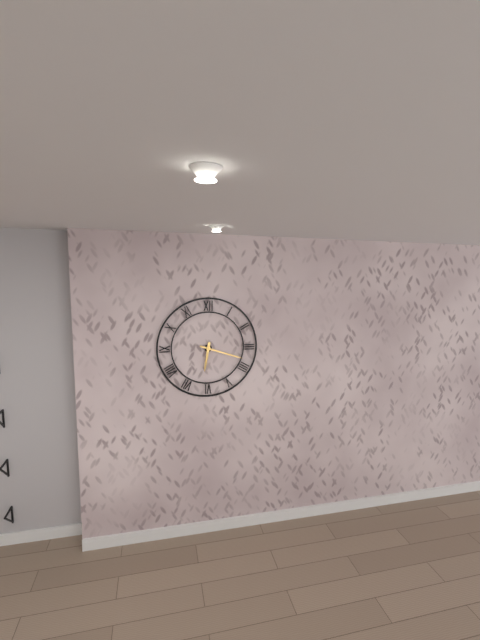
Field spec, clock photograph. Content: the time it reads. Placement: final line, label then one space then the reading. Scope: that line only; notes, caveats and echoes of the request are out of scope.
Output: 6:18
